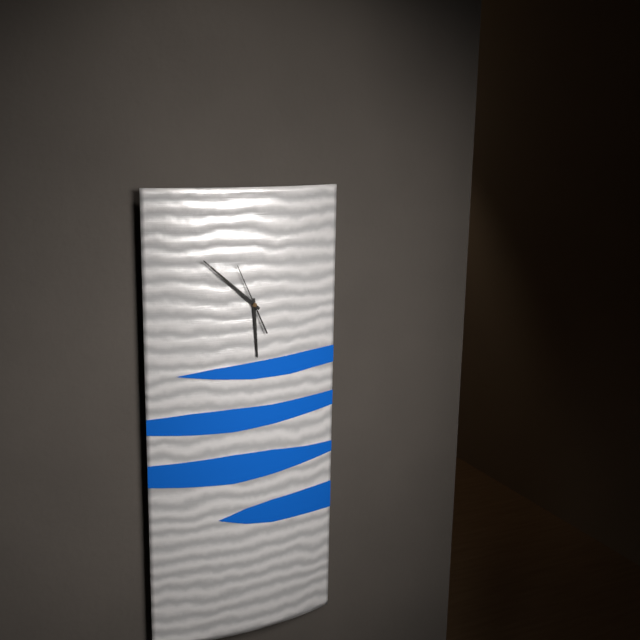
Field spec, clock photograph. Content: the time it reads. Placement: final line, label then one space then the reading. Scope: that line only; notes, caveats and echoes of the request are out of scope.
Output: 5:52
